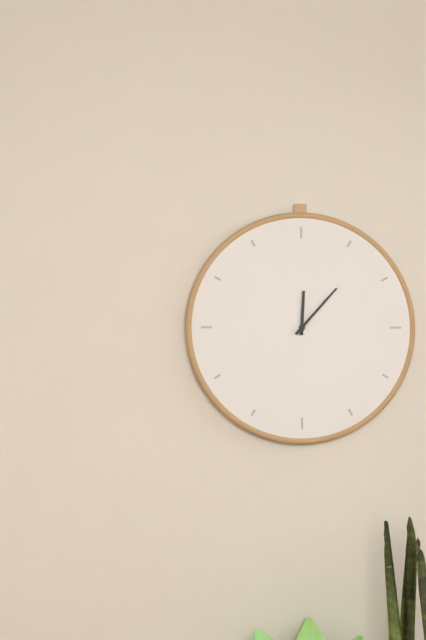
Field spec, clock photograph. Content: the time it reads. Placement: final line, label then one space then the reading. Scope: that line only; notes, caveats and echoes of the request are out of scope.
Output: 12:07
